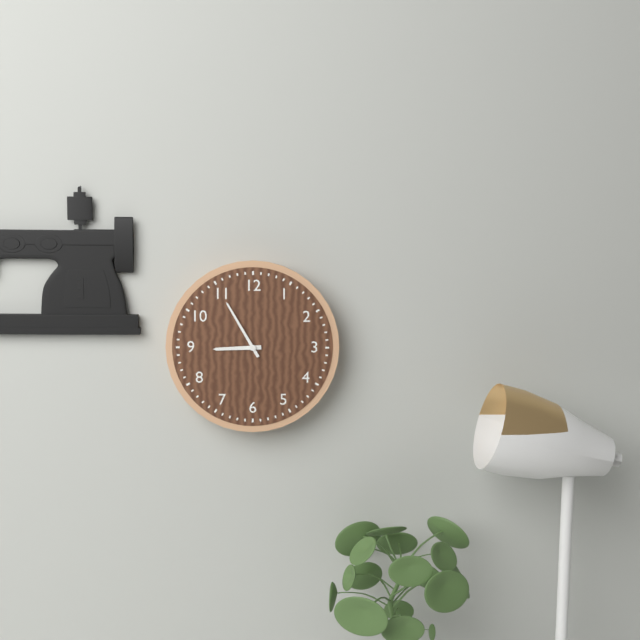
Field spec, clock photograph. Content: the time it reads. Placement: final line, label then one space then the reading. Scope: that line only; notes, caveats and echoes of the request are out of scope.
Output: 8:55
